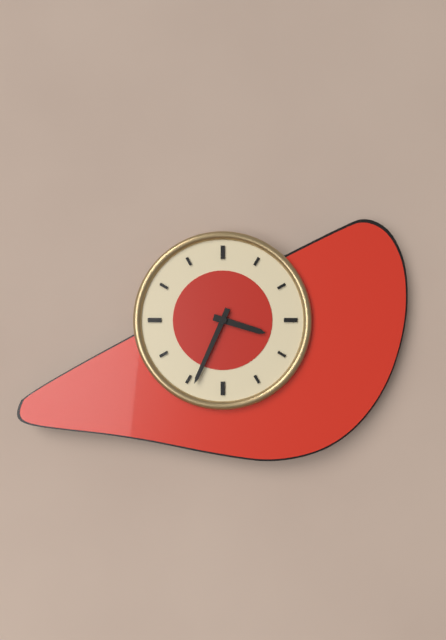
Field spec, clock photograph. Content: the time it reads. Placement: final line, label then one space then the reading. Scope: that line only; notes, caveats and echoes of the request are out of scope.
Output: 3:34
